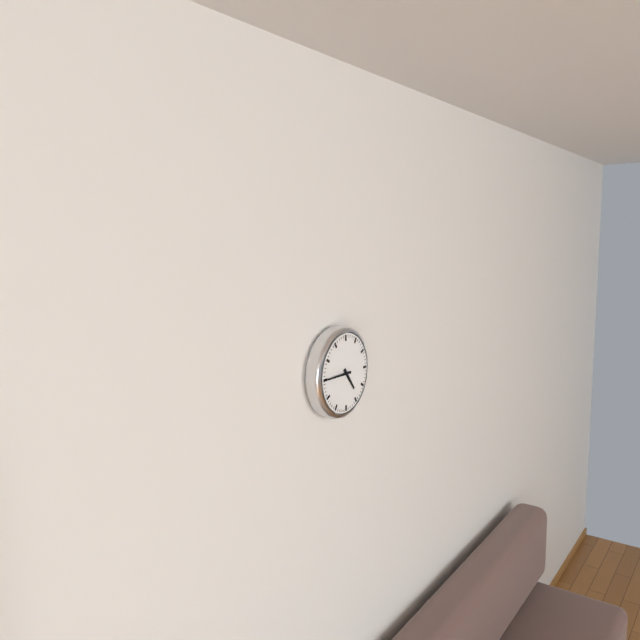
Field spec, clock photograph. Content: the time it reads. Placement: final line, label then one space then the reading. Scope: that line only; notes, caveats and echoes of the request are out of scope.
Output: 4:45
